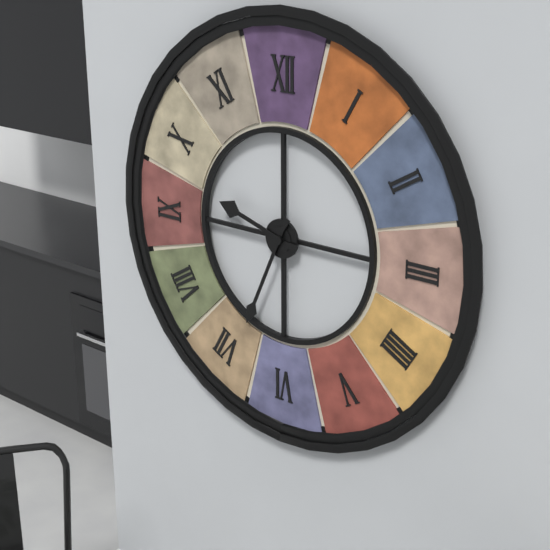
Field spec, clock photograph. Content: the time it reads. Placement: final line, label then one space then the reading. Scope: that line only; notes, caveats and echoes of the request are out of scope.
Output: 9:34
